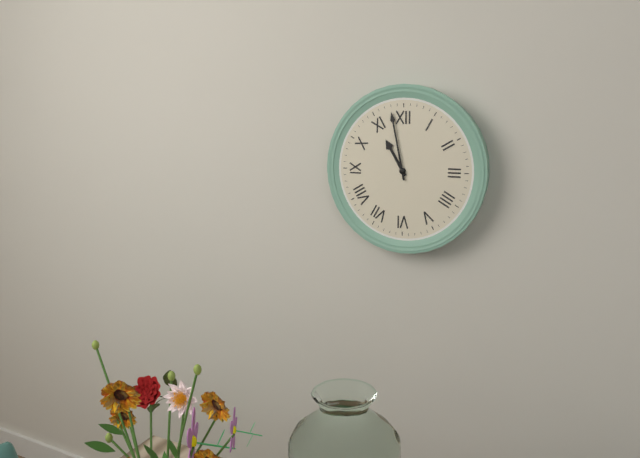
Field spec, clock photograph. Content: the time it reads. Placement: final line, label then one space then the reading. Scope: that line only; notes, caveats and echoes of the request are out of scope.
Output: 10:58
